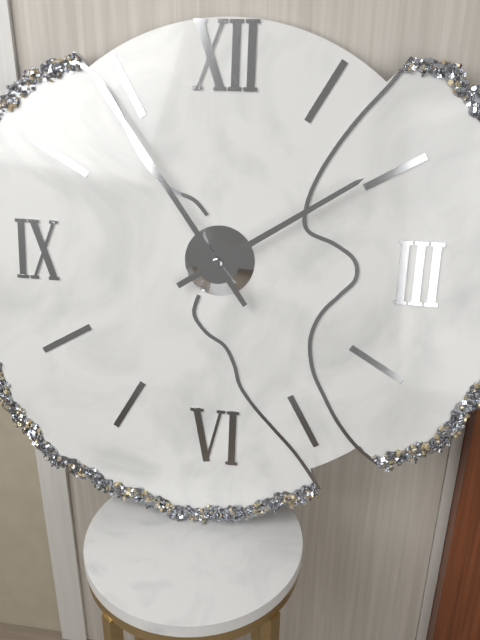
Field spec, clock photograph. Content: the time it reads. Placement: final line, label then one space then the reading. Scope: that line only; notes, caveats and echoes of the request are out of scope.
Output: 1:54
